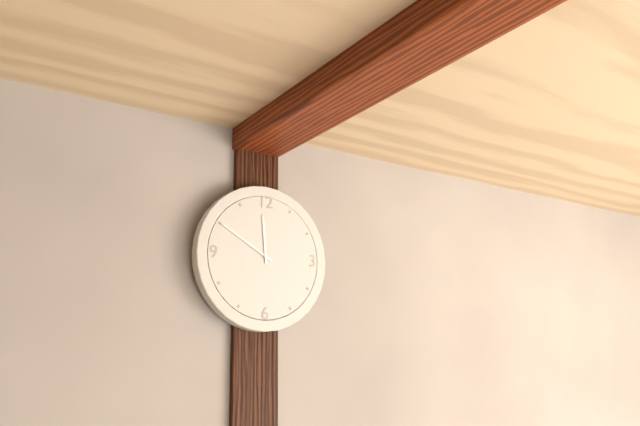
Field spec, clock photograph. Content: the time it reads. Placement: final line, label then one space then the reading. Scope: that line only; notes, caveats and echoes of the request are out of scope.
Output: 11:50
